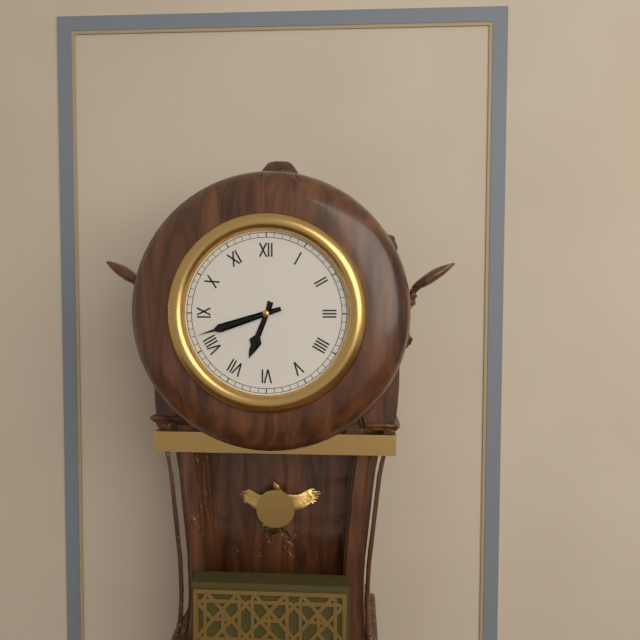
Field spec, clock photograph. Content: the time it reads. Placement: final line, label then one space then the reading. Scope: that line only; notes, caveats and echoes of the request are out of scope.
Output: 6:42
